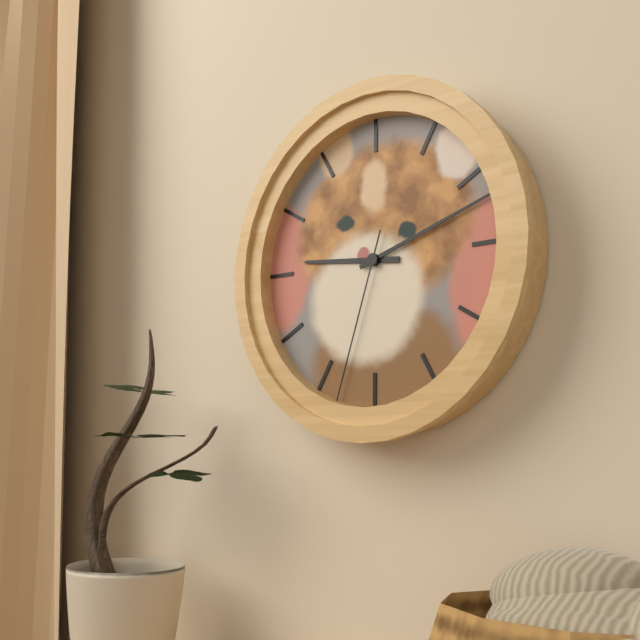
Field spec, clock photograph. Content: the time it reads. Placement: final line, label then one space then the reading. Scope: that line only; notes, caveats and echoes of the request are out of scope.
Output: 9:12:33
